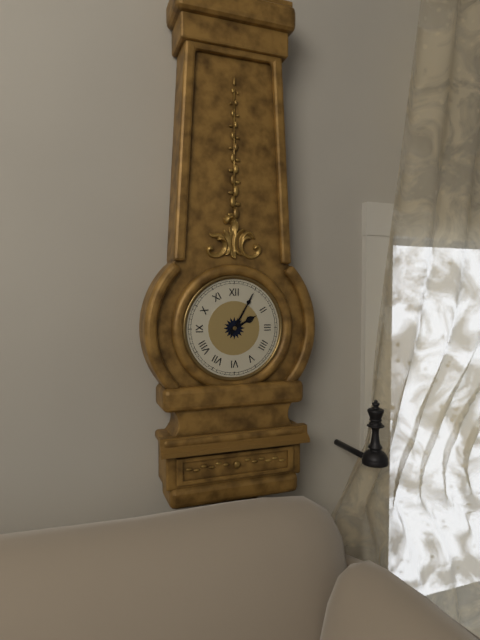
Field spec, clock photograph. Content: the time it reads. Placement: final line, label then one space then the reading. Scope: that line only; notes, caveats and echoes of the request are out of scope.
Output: 2:05
